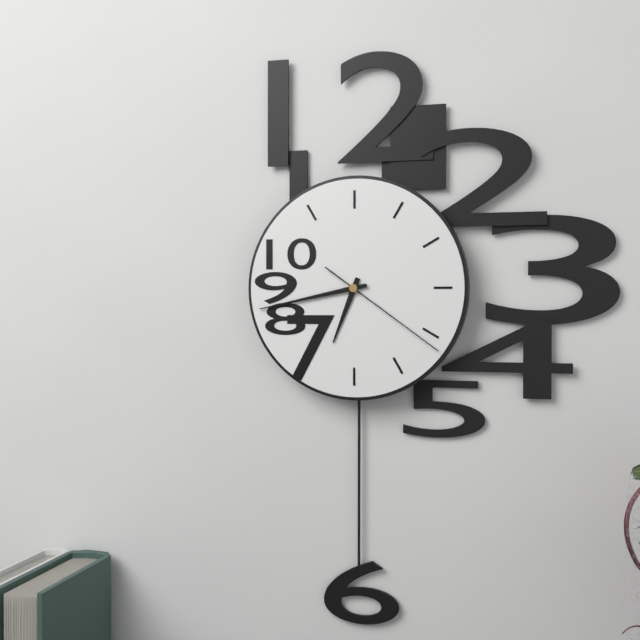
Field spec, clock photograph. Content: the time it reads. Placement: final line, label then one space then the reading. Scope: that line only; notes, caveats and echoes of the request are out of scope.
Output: 6:43:21
